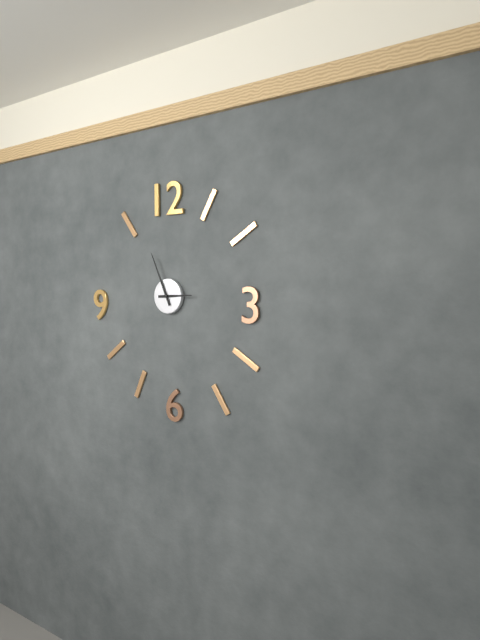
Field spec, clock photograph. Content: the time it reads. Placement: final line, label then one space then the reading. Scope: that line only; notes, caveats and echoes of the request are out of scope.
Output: 2:56
